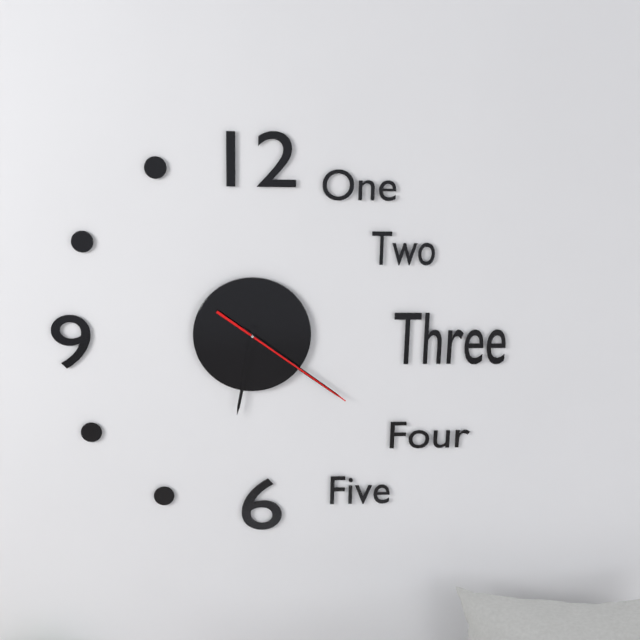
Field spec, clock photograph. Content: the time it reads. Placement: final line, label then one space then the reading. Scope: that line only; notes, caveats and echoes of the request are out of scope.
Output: 6:21:21
